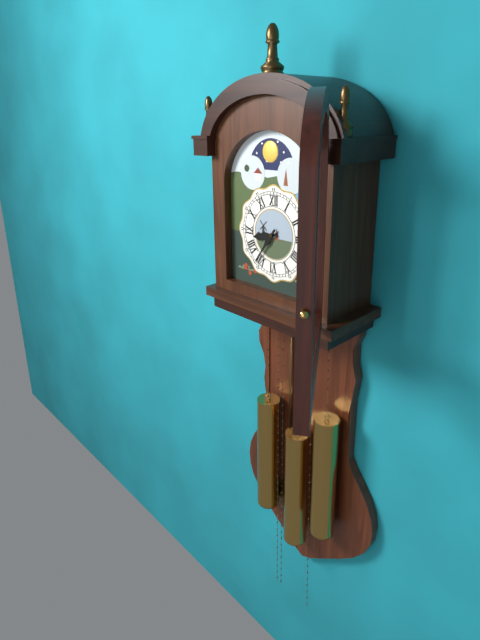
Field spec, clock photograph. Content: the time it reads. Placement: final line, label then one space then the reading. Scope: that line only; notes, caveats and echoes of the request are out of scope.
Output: 8:36
